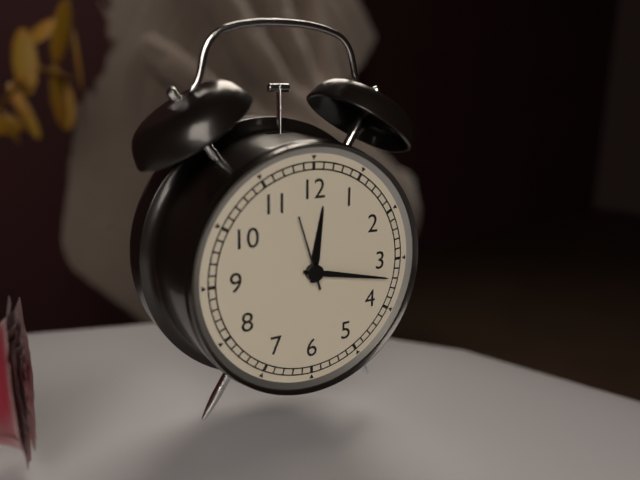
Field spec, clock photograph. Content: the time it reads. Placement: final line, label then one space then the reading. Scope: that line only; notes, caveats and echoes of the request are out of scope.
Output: 12:17:57
